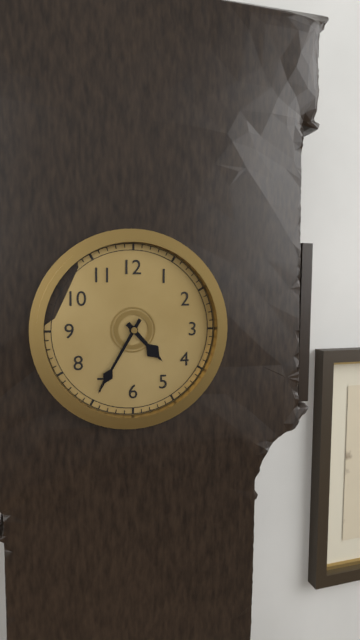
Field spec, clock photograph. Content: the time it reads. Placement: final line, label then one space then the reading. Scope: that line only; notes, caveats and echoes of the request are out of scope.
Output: 4:35
